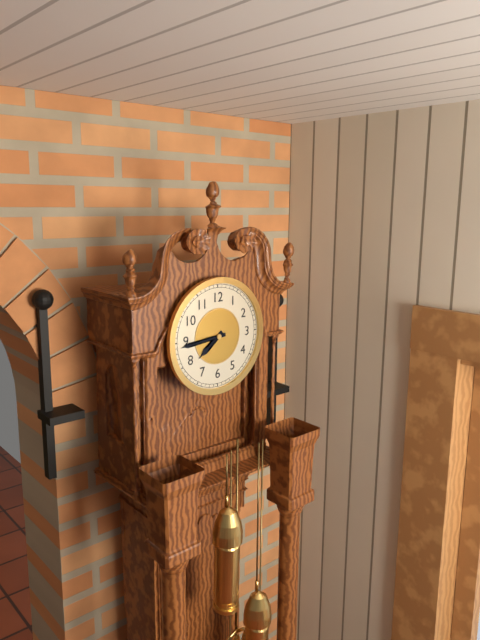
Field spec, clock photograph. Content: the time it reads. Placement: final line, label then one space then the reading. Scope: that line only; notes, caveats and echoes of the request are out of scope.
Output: 7:44
